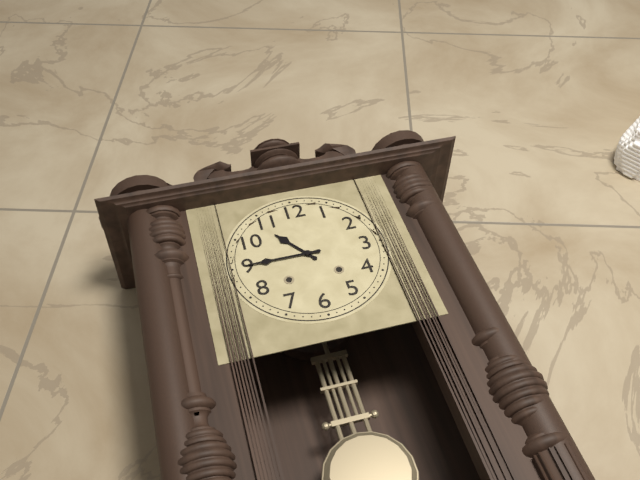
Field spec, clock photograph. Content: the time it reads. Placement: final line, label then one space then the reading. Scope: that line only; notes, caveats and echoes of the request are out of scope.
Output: 10:45
